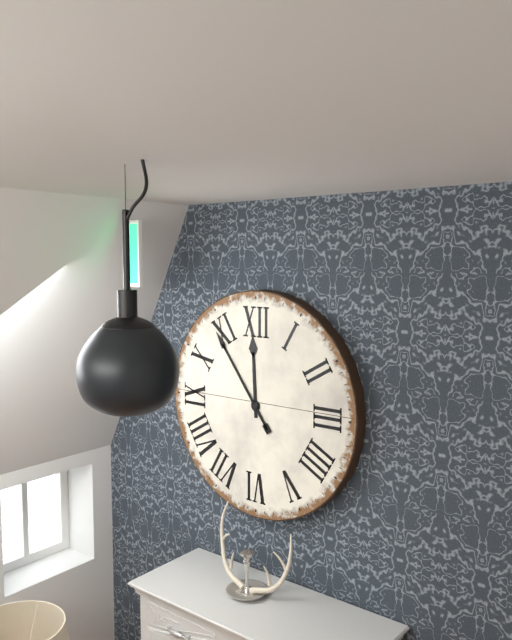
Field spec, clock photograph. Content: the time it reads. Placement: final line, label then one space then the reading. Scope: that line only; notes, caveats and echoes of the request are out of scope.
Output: 11:54
